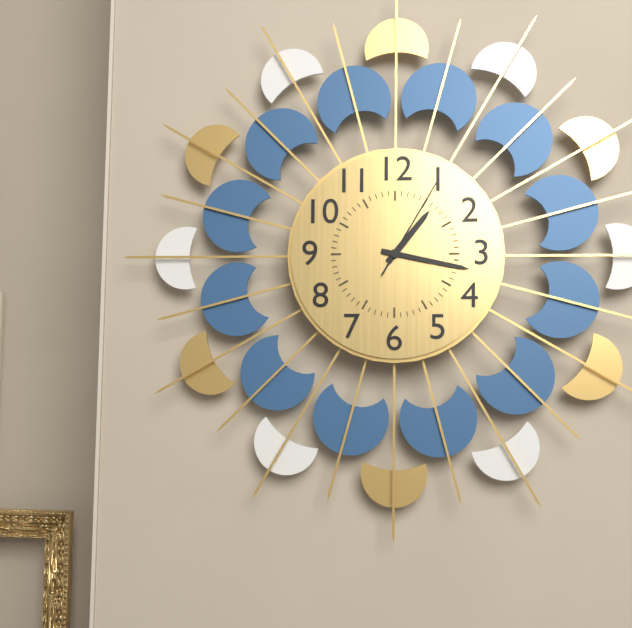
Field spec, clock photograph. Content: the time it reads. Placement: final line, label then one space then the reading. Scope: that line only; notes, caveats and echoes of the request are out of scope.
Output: 1:17:05
